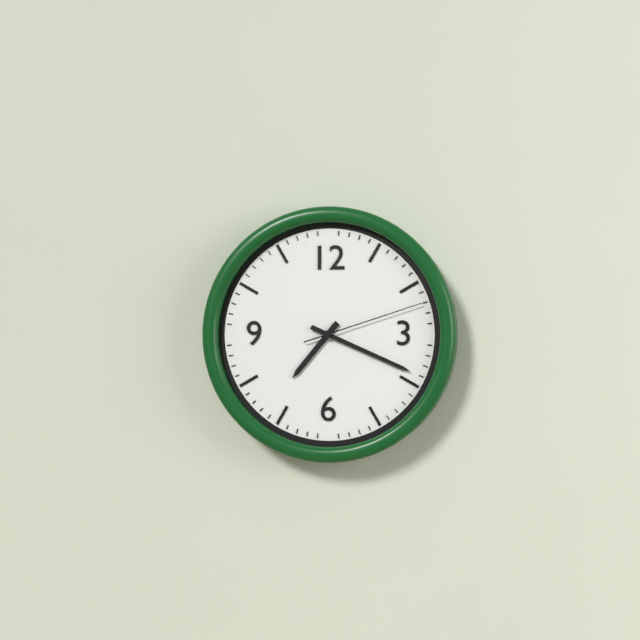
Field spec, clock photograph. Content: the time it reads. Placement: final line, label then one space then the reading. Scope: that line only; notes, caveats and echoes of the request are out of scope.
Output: 7:19:12
